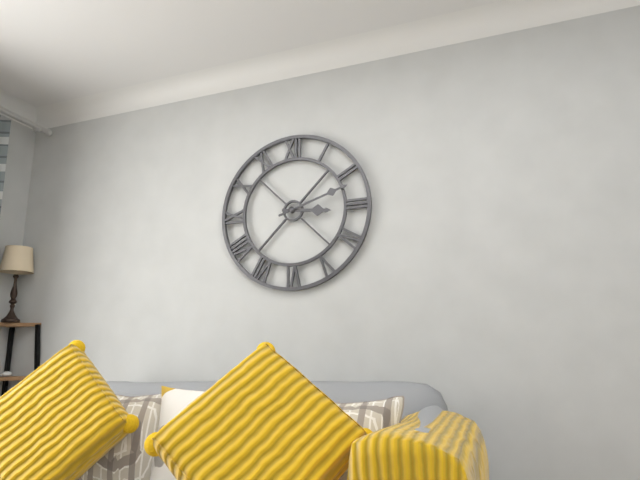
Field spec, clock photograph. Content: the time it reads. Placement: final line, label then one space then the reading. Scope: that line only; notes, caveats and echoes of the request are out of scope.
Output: 3:12
